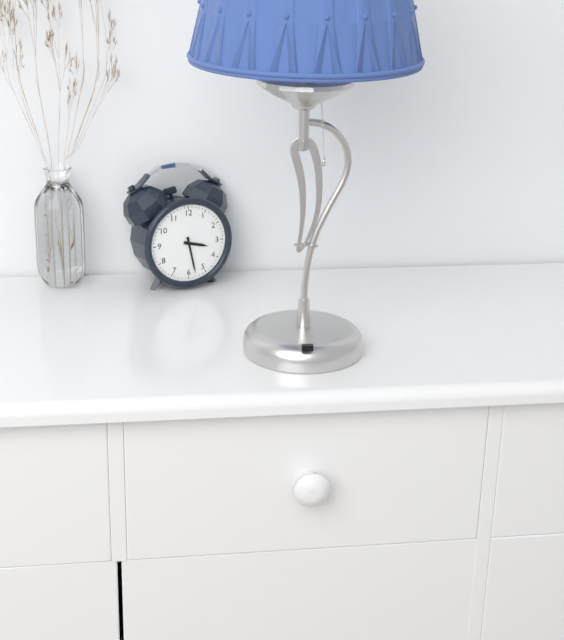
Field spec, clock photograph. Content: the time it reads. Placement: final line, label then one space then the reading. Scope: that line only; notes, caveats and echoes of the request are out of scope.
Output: 3:28
